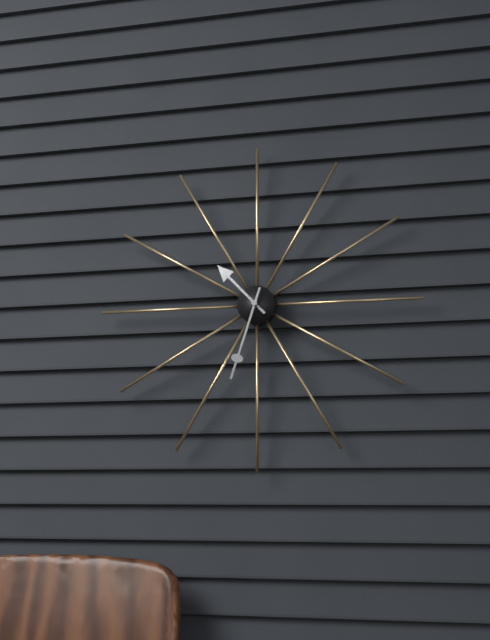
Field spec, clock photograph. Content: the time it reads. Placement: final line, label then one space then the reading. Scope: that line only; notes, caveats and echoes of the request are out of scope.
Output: 10:33
